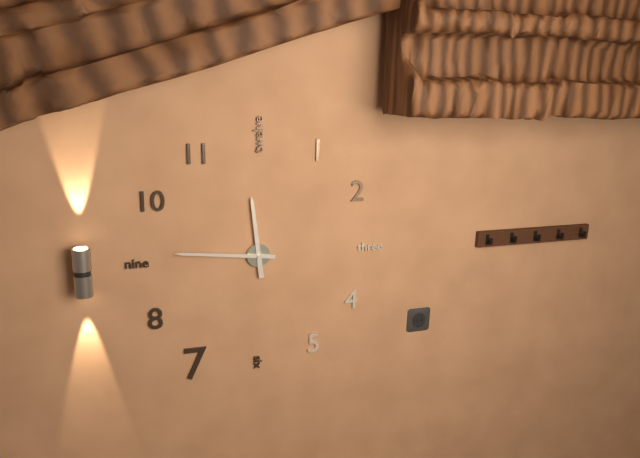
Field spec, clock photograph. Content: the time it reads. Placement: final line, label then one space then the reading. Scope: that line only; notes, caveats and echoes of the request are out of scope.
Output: 11:46
